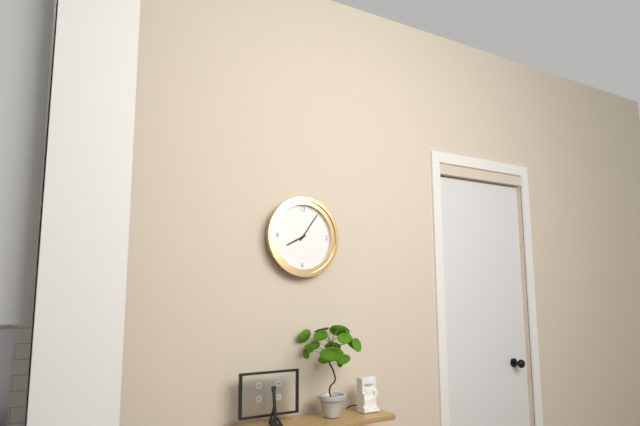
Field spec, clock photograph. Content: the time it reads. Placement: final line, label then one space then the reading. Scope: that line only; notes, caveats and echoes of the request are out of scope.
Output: 8:06
